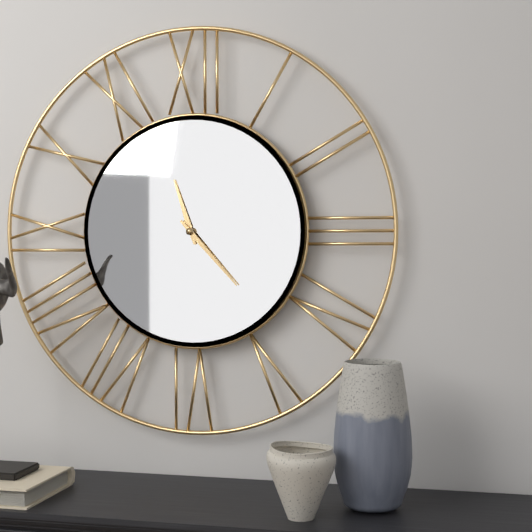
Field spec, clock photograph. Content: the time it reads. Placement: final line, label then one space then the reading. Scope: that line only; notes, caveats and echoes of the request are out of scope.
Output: 11:23
